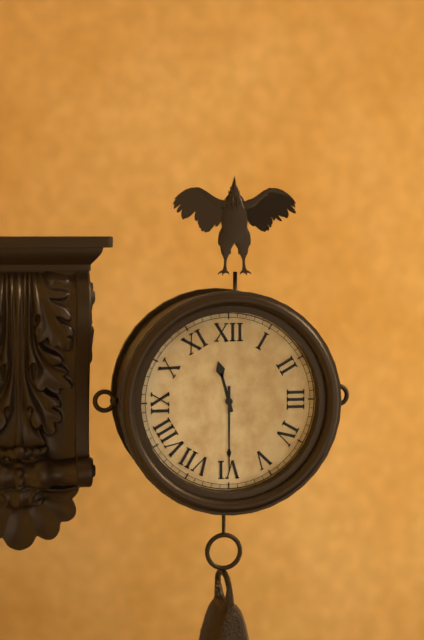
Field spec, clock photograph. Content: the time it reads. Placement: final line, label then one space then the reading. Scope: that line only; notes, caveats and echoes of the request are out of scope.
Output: 11:30
